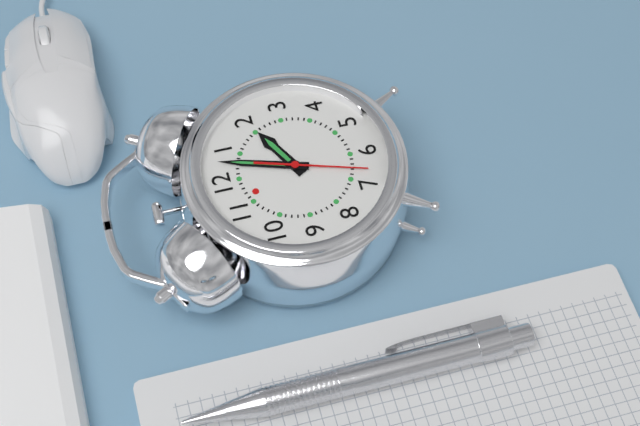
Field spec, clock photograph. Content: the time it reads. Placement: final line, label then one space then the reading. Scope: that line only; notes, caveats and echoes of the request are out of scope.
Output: 2:03:33
